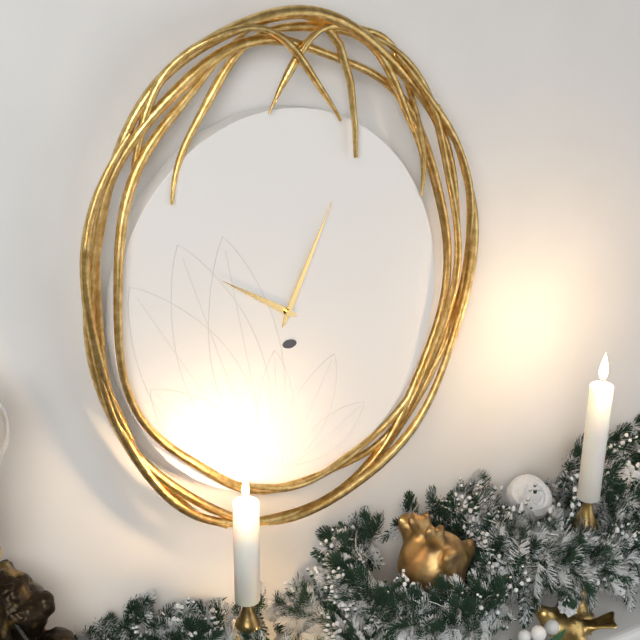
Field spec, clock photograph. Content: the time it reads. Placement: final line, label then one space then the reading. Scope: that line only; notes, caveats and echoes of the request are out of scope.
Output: 10:04
